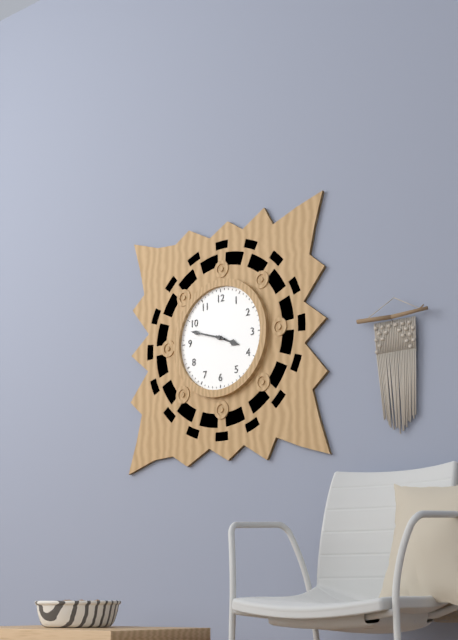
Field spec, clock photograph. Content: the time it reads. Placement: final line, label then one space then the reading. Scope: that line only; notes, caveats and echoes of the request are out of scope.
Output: 3:48
